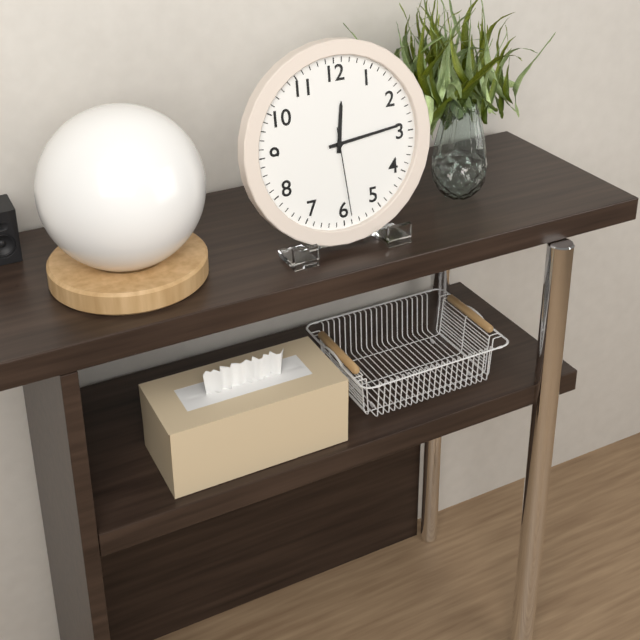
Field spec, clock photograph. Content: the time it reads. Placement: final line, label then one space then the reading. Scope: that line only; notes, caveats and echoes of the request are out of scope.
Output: 12:14:29
